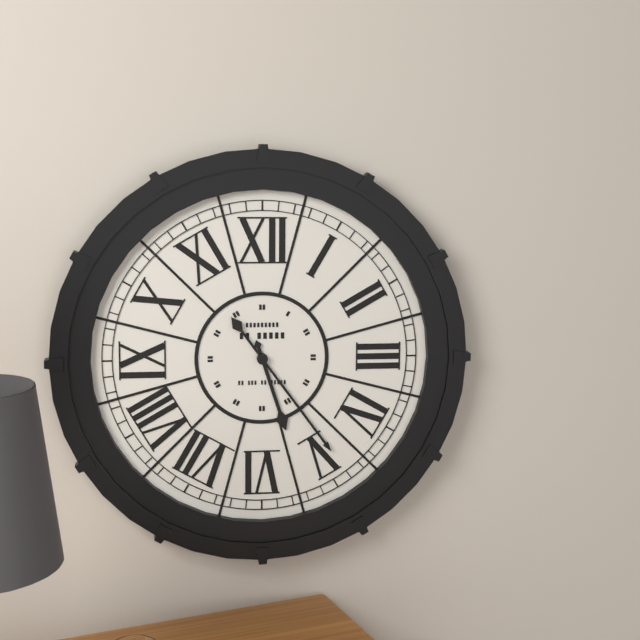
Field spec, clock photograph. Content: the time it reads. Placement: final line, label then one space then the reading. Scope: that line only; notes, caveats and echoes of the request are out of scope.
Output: 5:24
